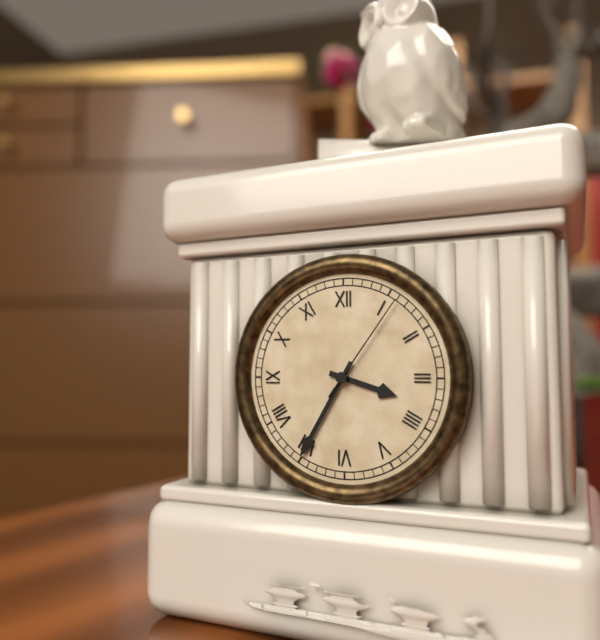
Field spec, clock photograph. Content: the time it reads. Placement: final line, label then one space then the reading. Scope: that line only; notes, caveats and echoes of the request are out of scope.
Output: 3:35:06
